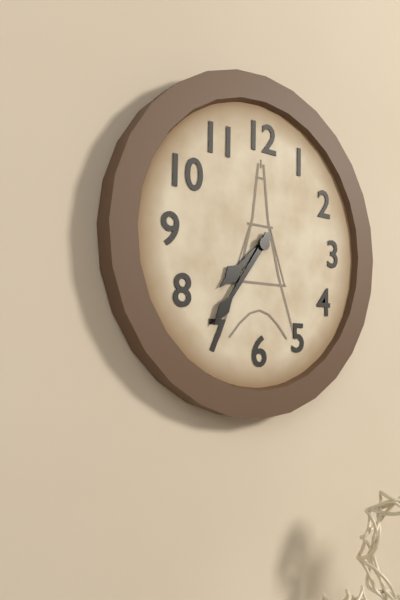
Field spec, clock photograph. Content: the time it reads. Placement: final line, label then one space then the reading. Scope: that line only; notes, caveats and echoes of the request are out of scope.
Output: 7:36
